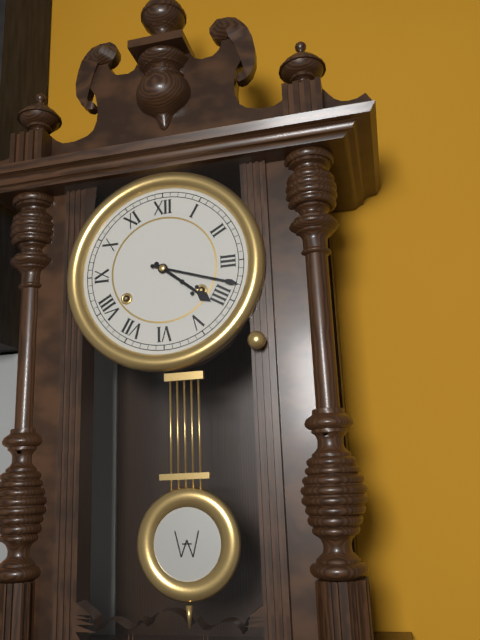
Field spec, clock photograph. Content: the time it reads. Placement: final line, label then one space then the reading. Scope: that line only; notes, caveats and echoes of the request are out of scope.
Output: 4:18
